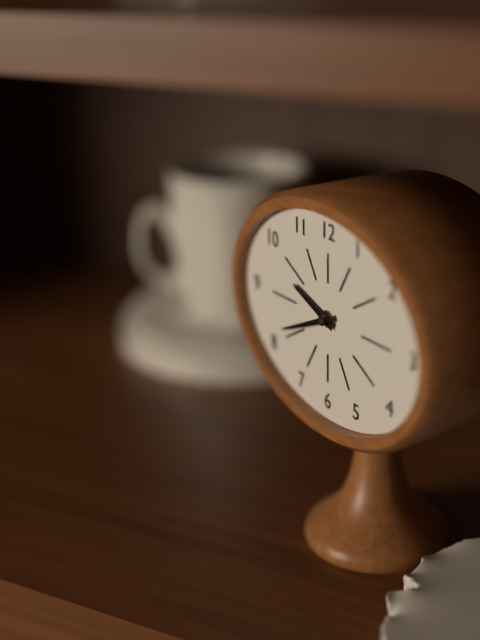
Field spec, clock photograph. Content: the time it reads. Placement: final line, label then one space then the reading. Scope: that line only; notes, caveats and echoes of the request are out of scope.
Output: 9:41
